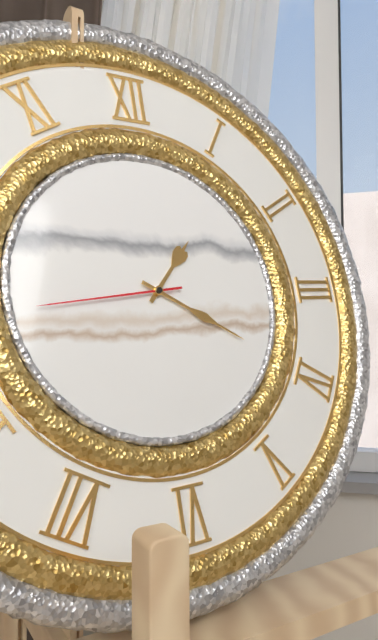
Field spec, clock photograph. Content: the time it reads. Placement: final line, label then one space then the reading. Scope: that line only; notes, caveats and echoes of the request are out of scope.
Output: 1:20:44
